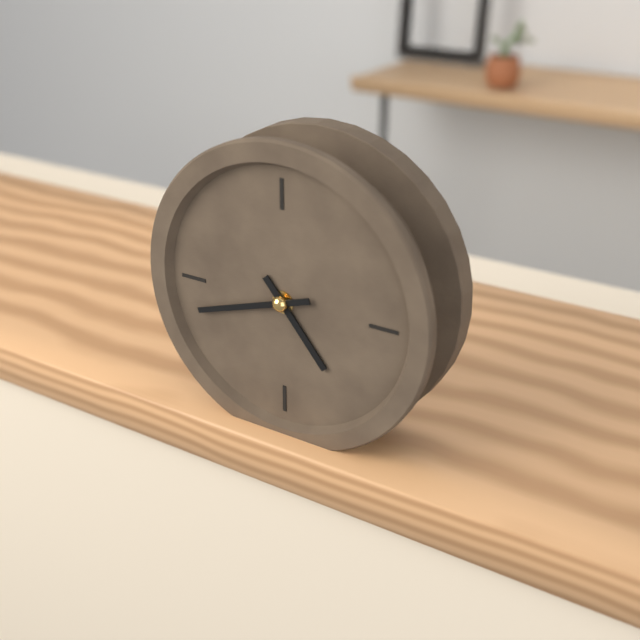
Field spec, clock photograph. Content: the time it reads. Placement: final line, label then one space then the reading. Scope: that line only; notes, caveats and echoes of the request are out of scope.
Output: 4:42
